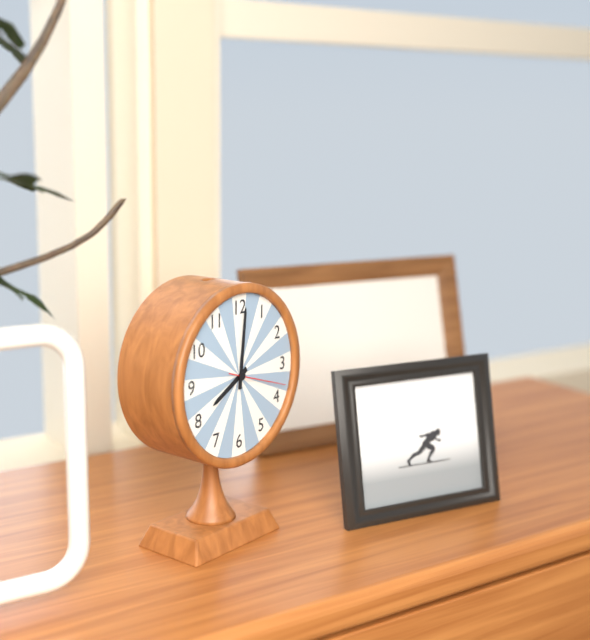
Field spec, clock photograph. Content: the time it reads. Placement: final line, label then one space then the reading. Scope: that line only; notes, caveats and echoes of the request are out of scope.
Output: 8:01:18
